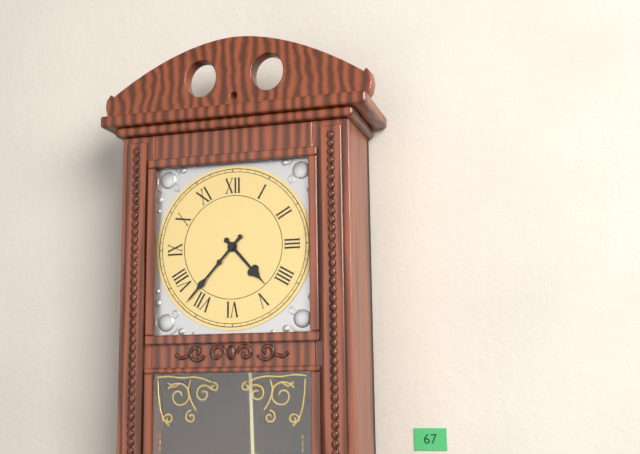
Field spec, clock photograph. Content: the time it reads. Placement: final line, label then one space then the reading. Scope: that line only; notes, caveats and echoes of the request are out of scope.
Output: 4:37
